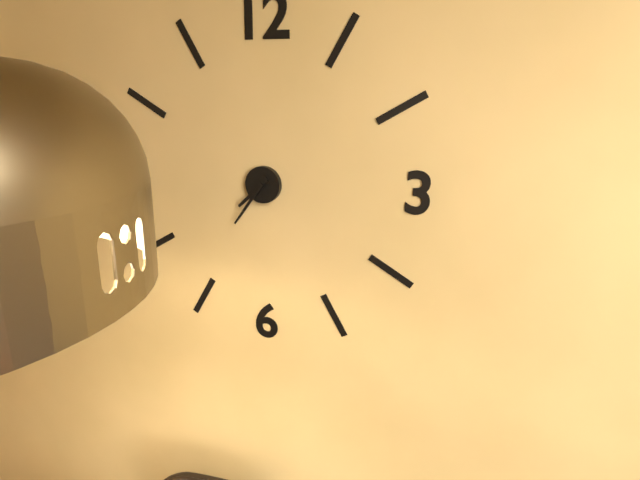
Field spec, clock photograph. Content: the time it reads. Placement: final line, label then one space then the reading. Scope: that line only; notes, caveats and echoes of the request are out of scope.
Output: 7:36
